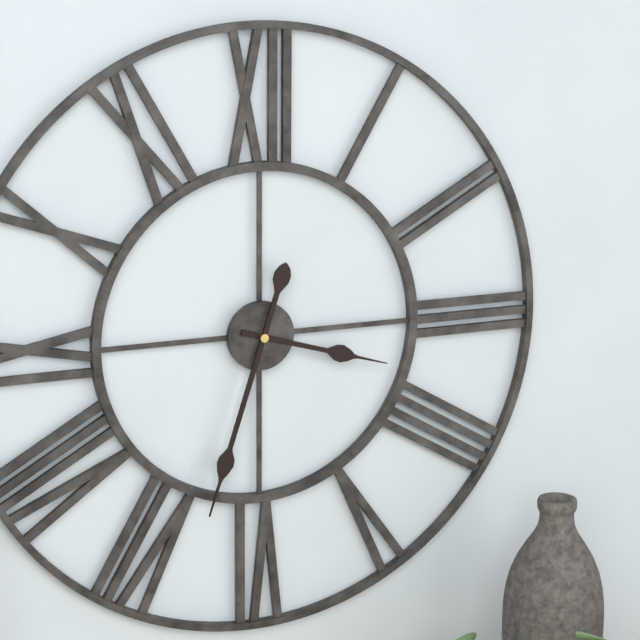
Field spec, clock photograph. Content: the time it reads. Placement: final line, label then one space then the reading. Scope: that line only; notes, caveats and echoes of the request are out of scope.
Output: 3:33
